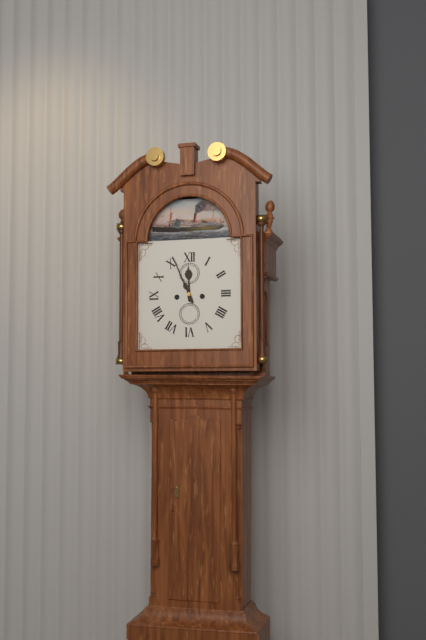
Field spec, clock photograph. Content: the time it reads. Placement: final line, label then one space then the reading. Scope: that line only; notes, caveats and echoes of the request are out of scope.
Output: 11:56
